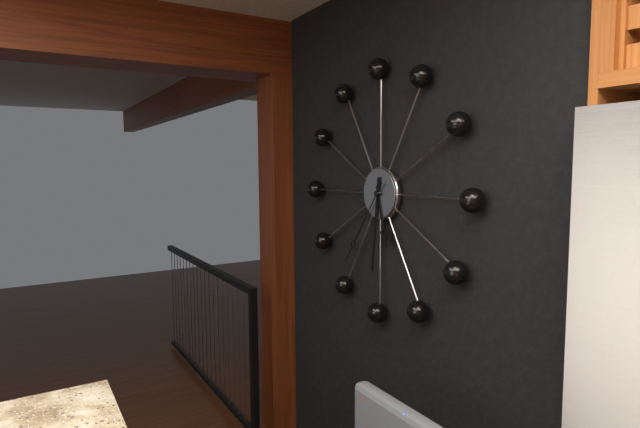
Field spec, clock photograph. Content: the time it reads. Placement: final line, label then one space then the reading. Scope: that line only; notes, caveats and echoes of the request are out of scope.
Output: 5:31:36
